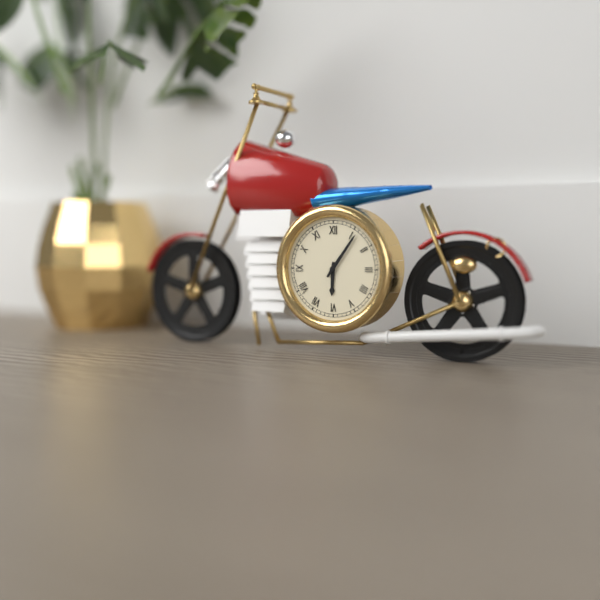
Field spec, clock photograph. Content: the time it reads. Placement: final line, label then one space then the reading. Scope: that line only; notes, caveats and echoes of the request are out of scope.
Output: 6:06
